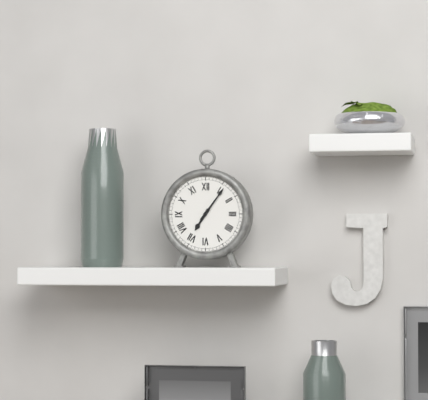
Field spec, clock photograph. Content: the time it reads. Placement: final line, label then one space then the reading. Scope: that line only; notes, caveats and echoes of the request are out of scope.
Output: 7:06
